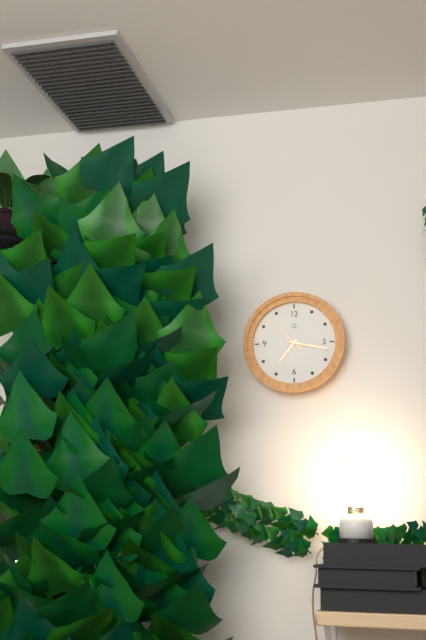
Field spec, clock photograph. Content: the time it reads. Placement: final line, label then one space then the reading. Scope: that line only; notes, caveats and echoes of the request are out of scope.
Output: 7:17
